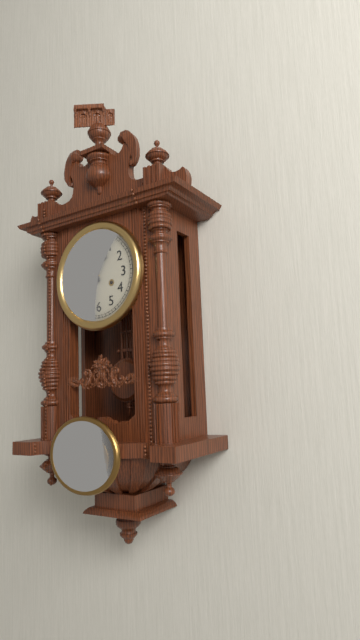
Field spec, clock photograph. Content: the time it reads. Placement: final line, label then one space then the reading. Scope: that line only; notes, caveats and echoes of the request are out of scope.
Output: 12:57
